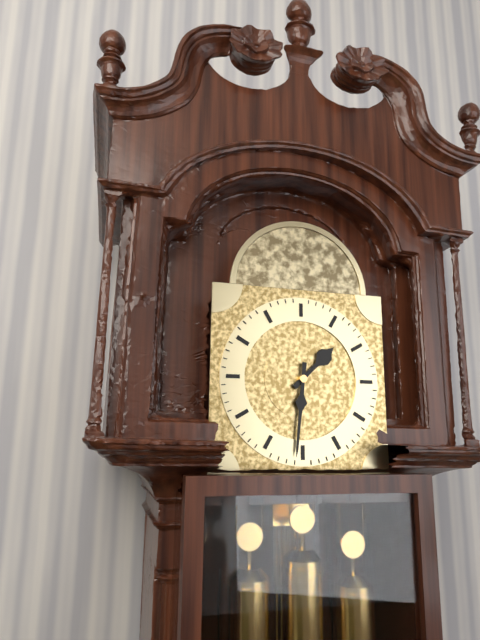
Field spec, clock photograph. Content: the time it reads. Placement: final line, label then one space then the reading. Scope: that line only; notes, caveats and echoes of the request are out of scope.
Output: 1:31
